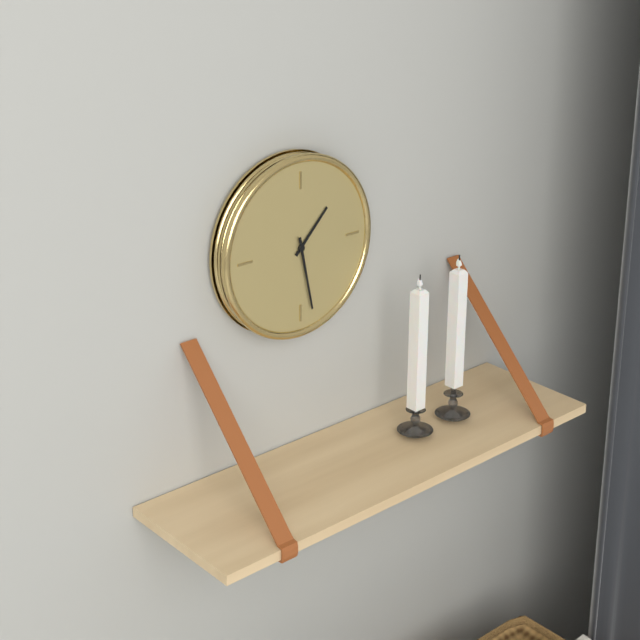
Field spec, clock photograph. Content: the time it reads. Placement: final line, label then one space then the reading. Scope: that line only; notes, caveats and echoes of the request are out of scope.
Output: 1:28
